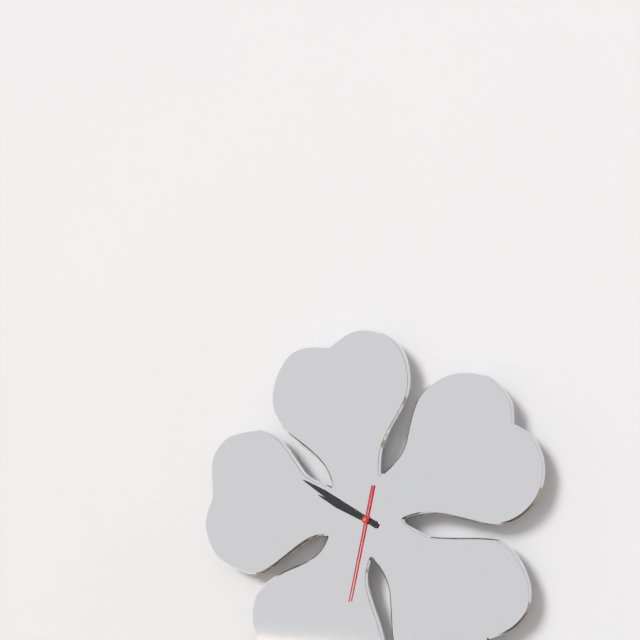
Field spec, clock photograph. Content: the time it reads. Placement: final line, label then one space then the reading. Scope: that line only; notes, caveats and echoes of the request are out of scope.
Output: 9:50:32
